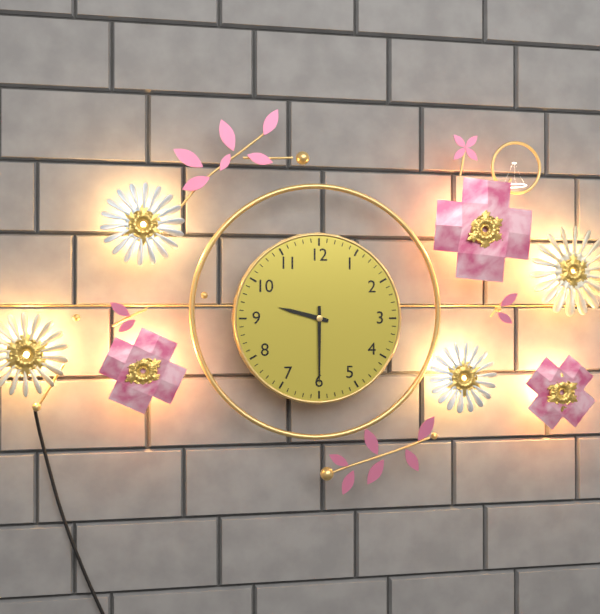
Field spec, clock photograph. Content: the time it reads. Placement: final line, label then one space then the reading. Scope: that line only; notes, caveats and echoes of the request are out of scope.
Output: 9:30
